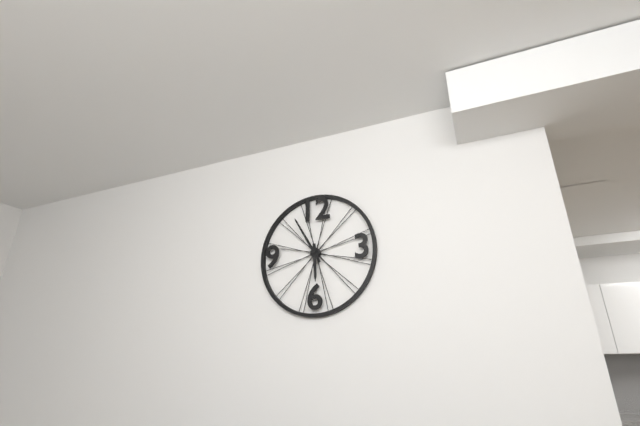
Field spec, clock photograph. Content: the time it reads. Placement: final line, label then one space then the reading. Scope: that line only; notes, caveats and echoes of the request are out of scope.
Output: 5:55
